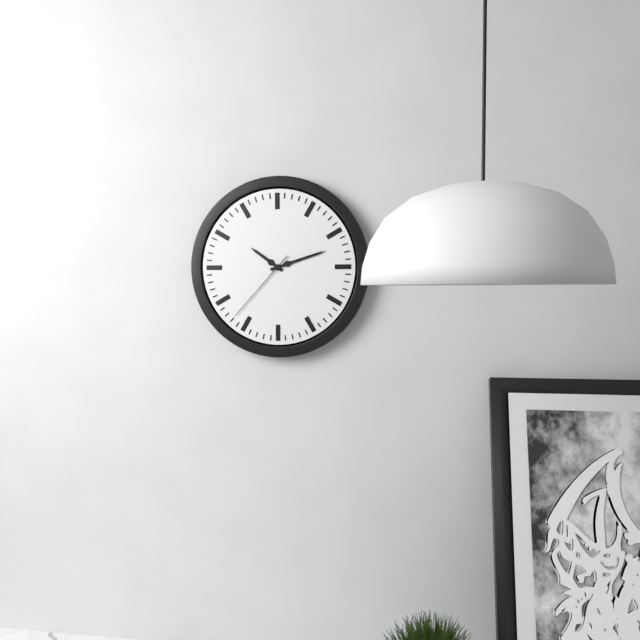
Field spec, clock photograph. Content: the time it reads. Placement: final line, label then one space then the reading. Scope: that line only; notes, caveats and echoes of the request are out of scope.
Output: 10:12:37
